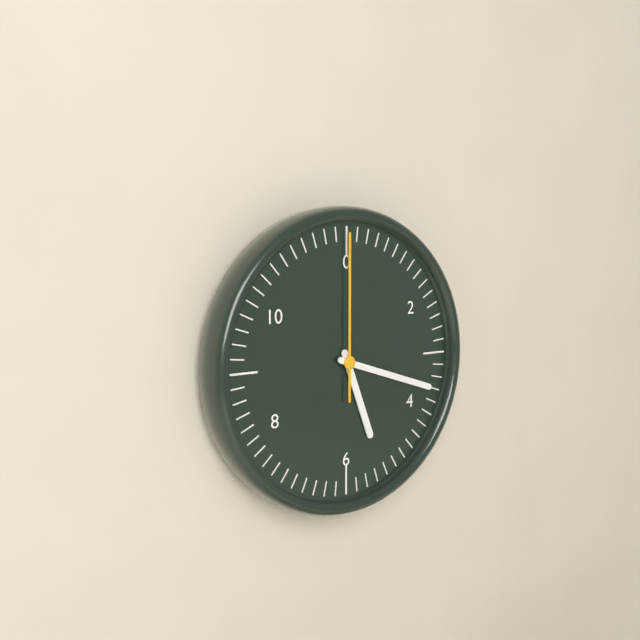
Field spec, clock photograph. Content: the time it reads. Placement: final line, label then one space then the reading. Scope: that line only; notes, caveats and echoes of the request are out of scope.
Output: 5:18:00
